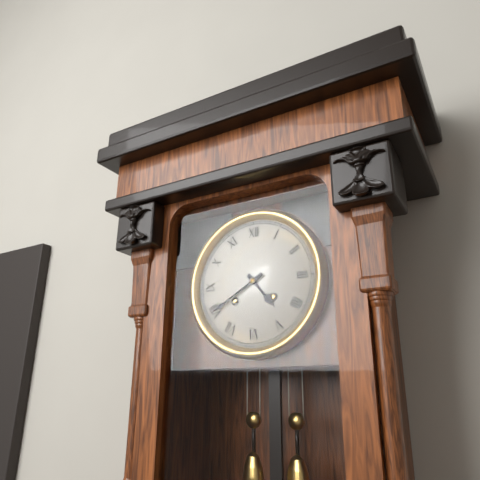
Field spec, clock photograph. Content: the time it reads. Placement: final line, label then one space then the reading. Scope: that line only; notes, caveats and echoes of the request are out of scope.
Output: 4:40
